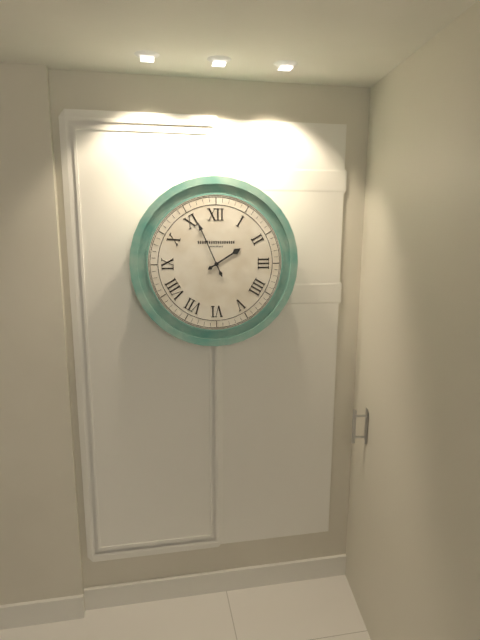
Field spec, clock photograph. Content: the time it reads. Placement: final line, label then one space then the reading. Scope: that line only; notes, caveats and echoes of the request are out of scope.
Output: 1:56
